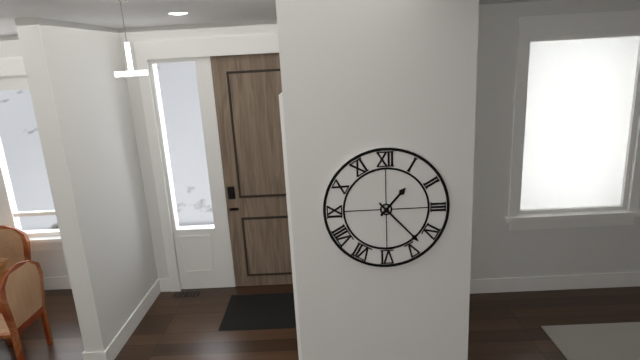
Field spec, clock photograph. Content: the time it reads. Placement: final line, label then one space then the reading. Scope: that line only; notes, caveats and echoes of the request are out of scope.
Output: 1:23
